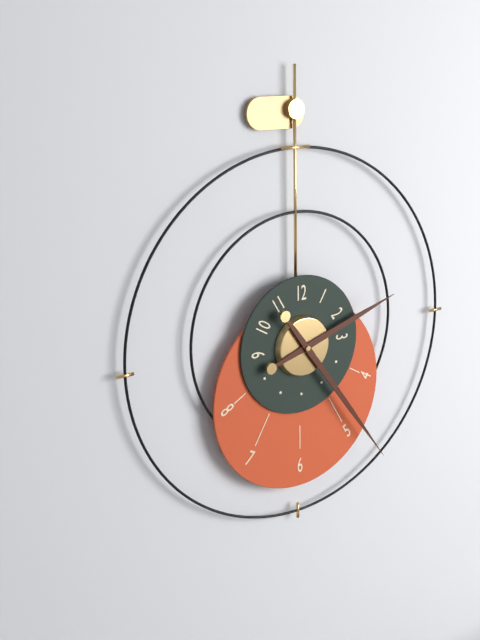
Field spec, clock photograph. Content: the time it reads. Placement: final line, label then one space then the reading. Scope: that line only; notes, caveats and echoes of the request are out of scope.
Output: 2:24
